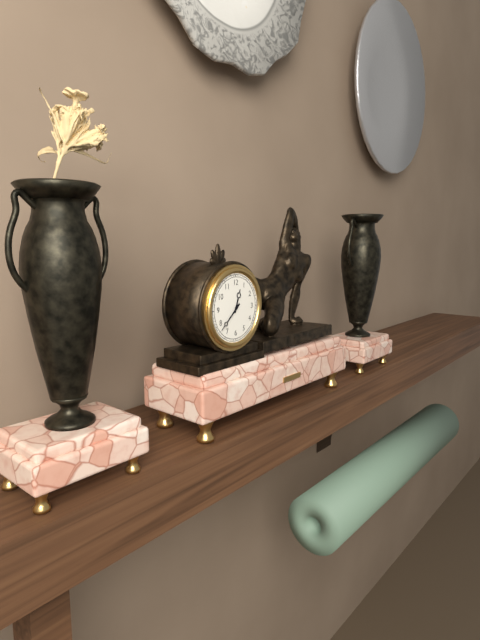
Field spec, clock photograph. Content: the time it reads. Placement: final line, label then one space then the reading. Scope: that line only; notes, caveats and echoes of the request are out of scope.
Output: 12:38
